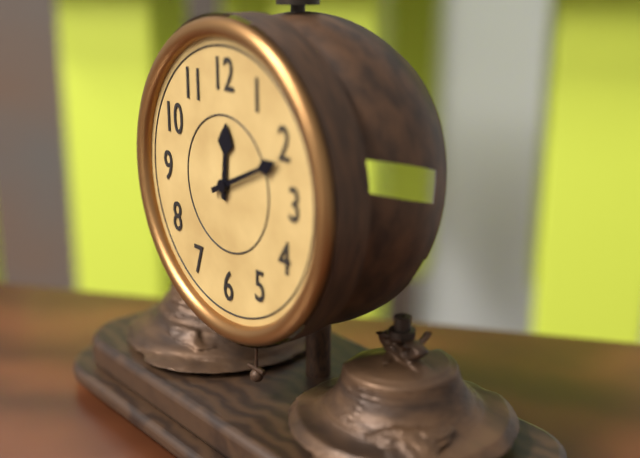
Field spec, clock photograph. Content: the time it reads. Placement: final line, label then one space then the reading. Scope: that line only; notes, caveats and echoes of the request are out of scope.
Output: 12:11
